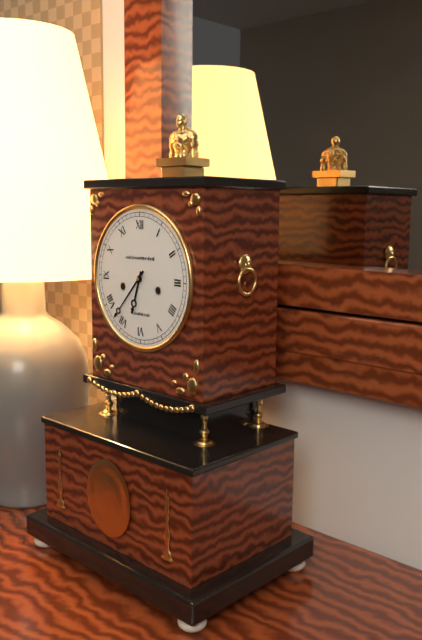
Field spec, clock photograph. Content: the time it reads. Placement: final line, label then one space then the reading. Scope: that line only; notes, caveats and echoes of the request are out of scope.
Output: 6:37
